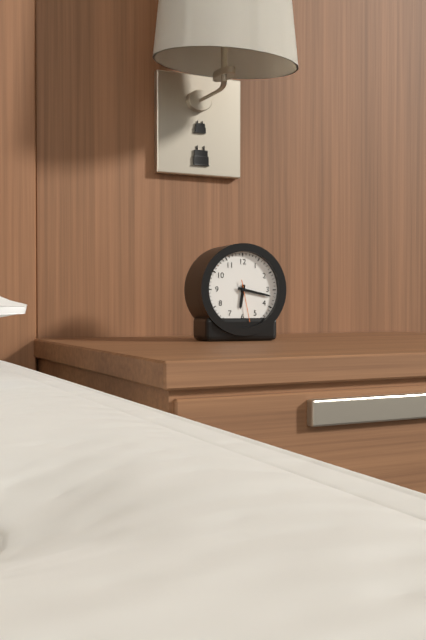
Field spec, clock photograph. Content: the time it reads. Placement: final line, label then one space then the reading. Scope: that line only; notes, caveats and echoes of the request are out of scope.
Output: 6:17
